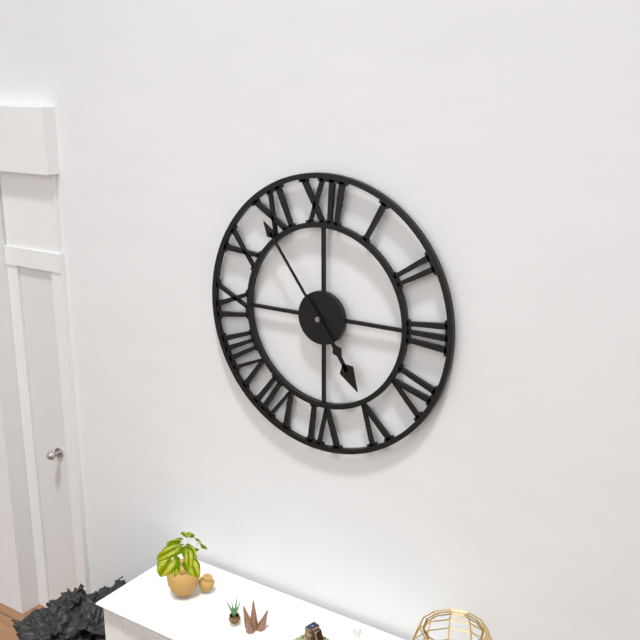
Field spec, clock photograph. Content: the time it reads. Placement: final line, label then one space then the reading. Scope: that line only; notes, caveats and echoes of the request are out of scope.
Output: 4:54
